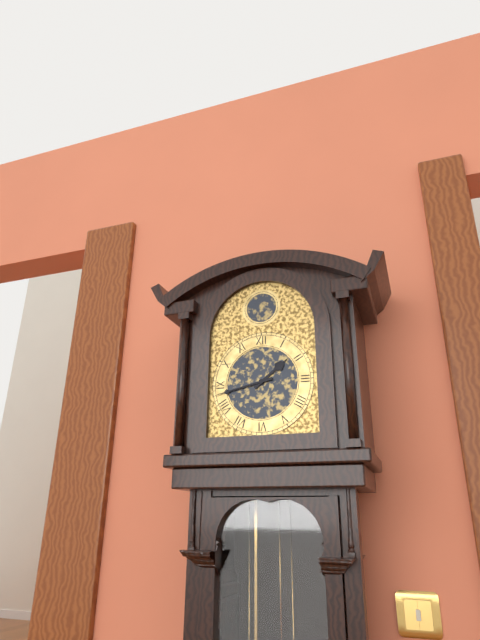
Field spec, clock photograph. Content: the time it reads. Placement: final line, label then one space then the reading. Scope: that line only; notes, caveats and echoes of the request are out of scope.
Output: 1:43
